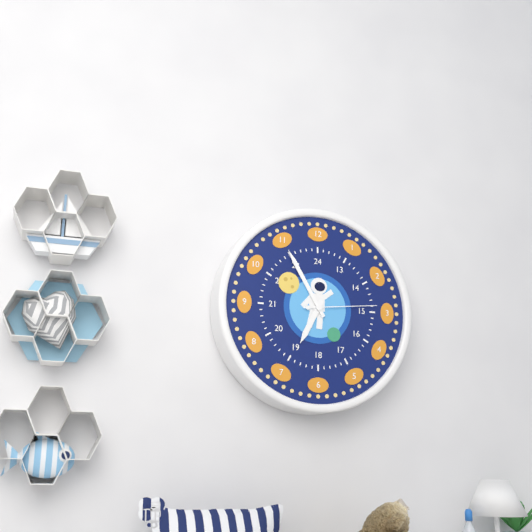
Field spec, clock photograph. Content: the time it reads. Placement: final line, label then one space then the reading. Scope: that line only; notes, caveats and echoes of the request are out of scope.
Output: 6:55:14
